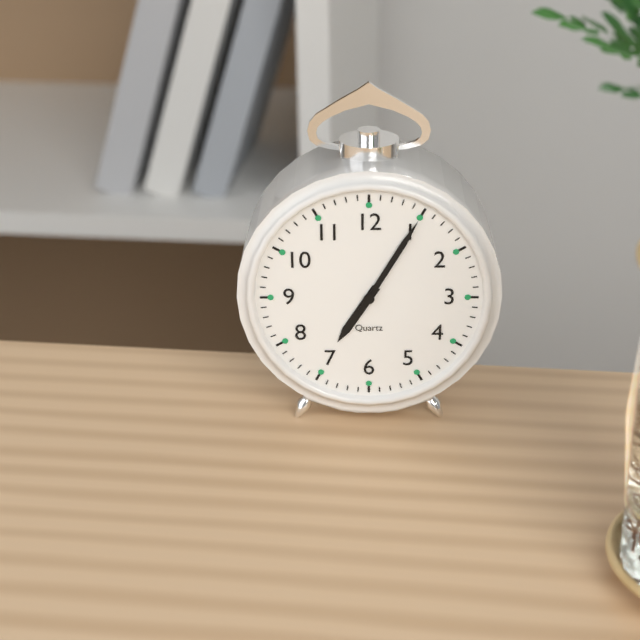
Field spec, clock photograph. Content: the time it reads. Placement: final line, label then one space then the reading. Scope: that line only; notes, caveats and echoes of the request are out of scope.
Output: 7:05
